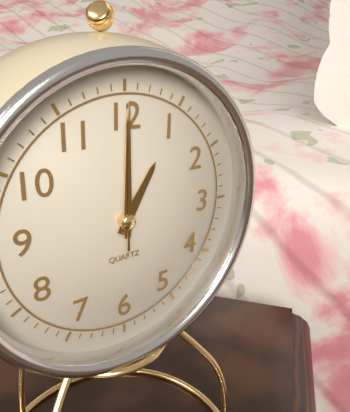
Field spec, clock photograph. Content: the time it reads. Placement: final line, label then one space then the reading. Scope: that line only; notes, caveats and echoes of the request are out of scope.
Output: 1:00:00
